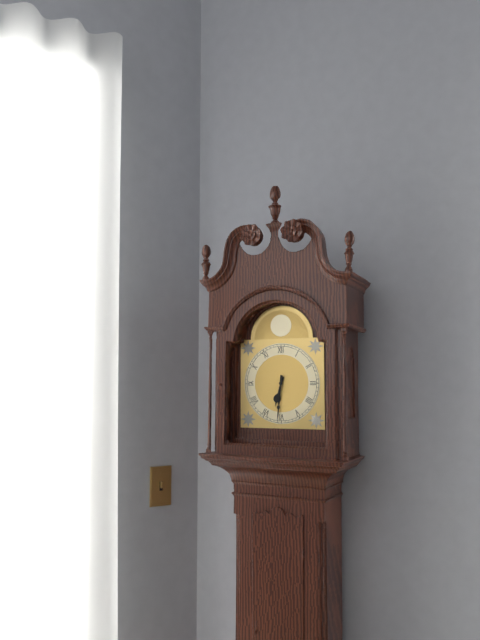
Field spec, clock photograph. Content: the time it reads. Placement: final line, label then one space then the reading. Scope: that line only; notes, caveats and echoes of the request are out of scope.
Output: 6:31
